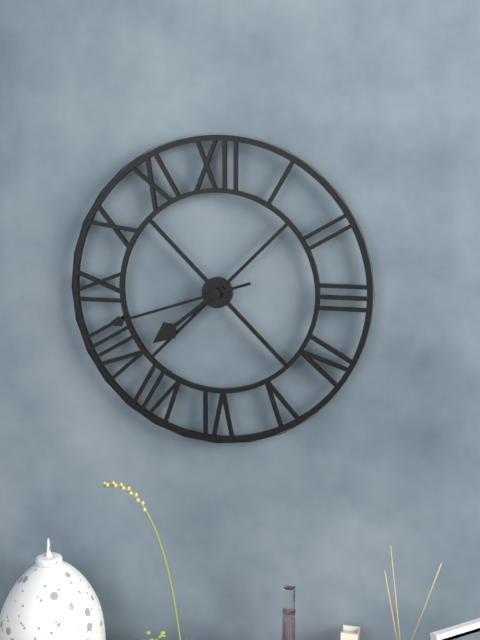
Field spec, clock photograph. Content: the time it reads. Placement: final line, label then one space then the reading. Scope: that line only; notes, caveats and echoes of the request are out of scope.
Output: 7:42
